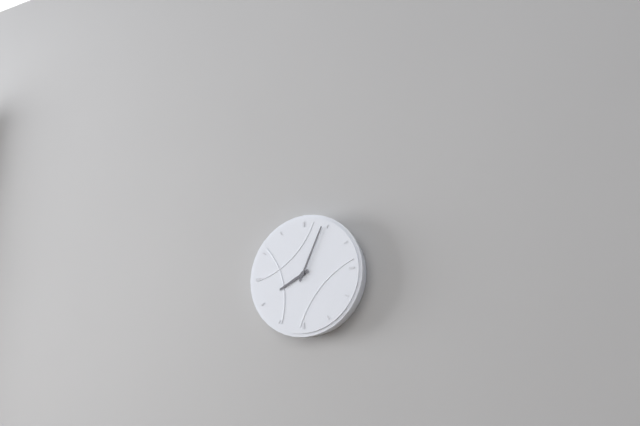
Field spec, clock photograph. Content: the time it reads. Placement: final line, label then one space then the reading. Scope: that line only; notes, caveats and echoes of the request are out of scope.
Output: 8:04
